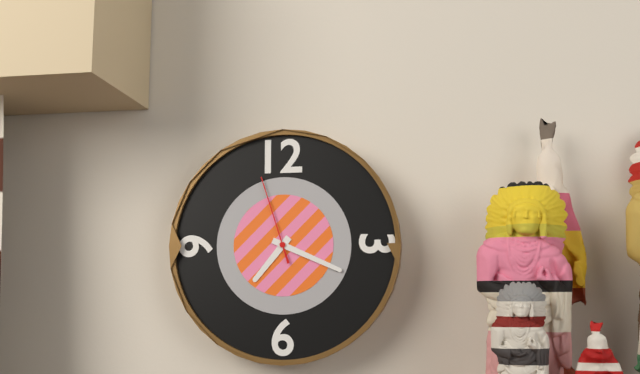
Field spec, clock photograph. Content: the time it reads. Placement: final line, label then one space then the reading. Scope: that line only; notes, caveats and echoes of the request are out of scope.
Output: 7:19:57
